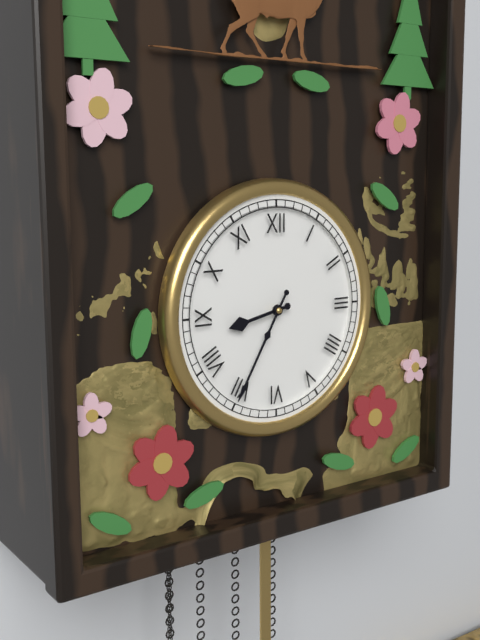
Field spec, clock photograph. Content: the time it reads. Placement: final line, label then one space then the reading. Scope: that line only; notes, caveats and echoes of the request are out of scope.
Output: 8:35
